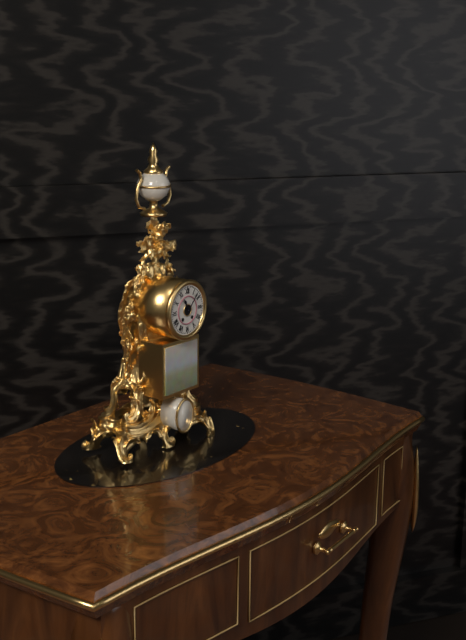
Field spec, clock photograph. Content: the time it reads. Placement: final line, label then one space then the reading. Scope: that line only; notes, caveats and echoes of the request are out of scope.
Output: 11:07
